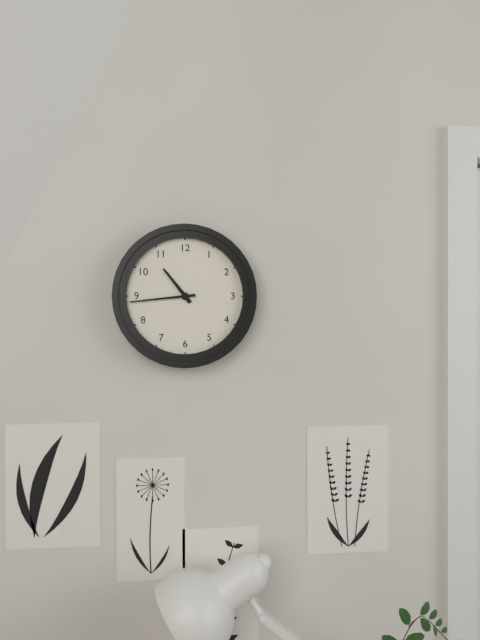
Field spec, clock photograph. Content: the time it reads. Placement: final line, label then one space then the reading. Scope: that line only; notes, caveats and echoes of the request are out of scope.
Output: 10:44
